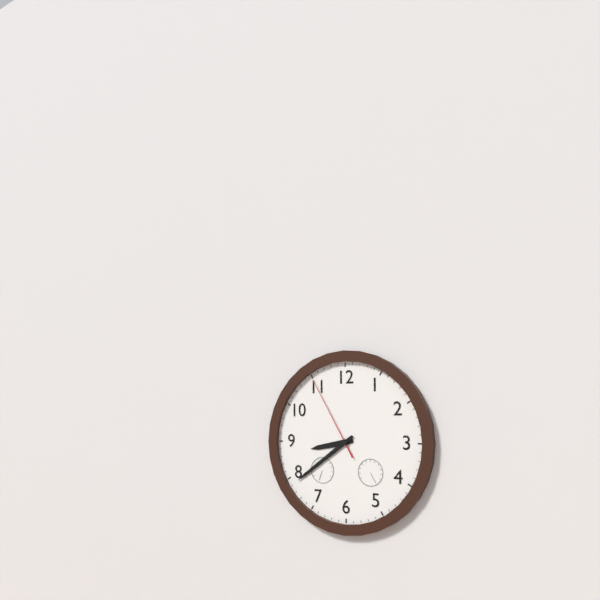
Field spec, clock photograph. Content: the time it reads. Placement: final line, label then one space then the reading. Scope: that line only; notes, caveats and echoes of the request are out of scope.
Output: 8:39:55
